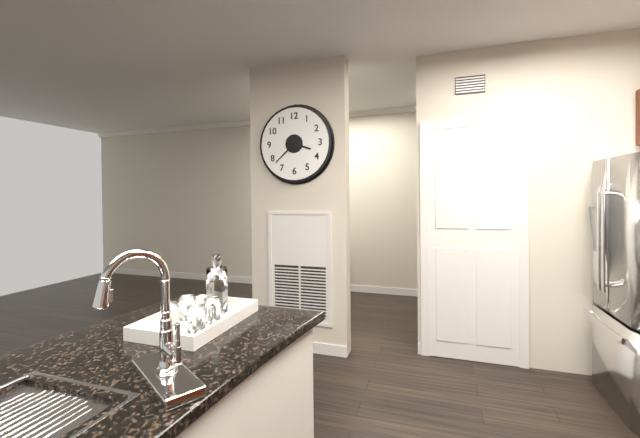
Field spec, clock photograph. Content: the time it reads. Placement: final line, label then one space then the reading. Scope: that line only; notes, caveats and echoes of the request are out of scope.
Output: 3:38
